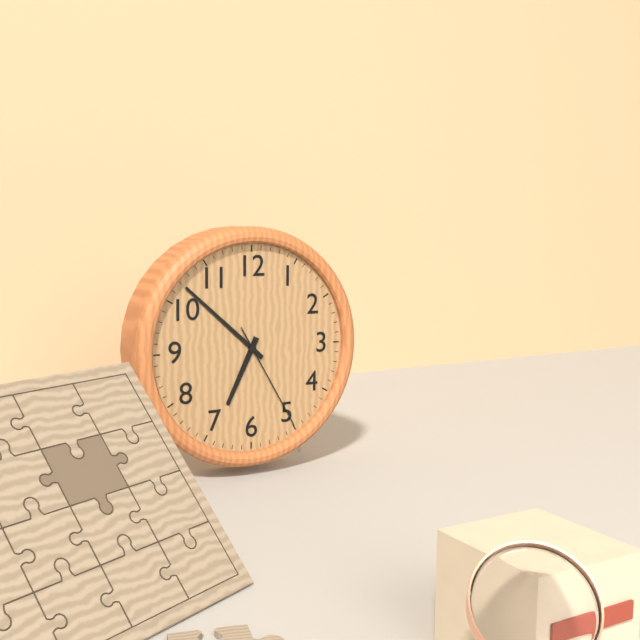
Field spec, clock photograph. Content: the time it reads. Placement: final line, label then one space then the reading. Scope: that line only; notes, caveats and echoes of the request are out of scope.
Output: 6:52:25
